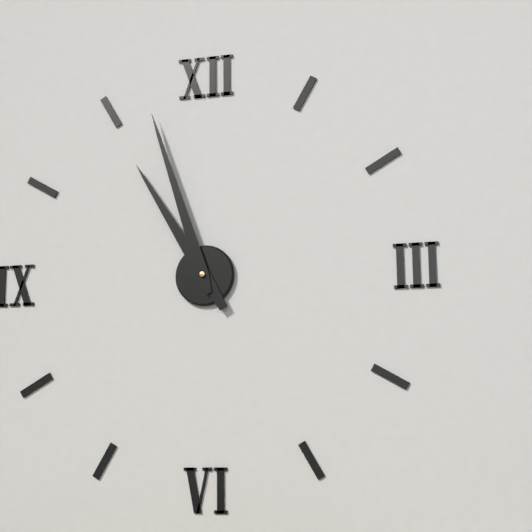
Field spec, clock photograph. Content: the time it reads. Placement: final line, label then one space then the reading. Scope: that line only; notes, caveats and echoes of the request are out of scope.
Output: 10:57
